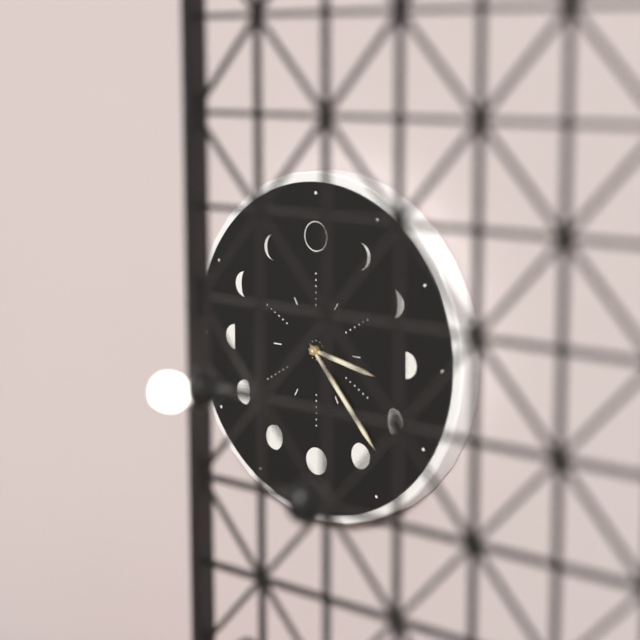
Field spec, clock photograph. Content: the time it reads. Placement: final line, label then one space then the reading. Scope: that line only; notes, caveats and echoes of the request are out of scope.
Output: 3:23
